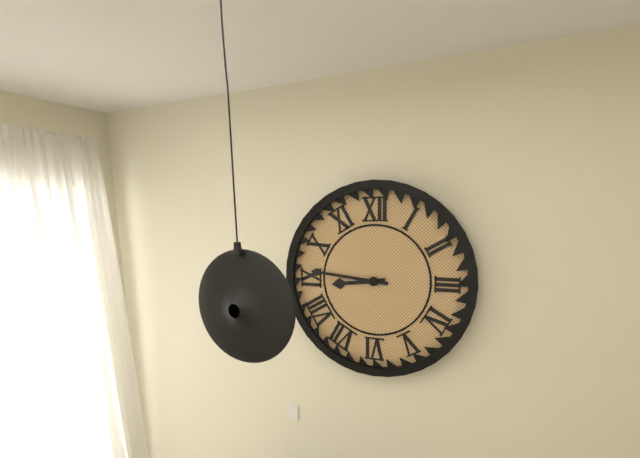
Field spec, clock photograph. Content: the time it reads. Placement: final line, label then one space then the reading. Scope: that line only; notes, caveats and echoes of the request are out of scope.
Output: 8:46
